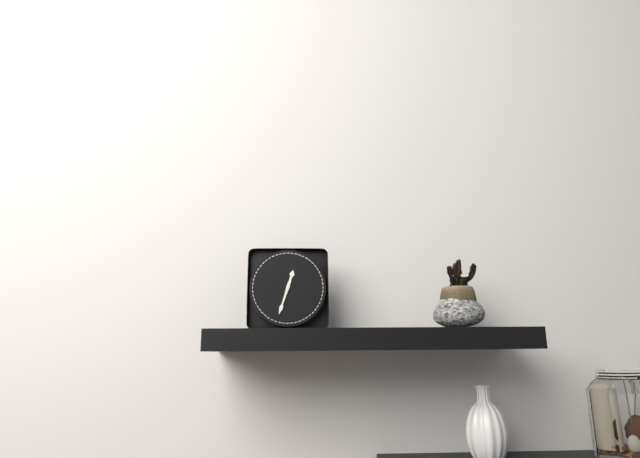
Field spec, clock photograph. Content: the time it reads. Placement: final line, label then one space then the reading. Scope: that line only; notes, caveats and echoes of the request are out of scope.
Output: 12:33
